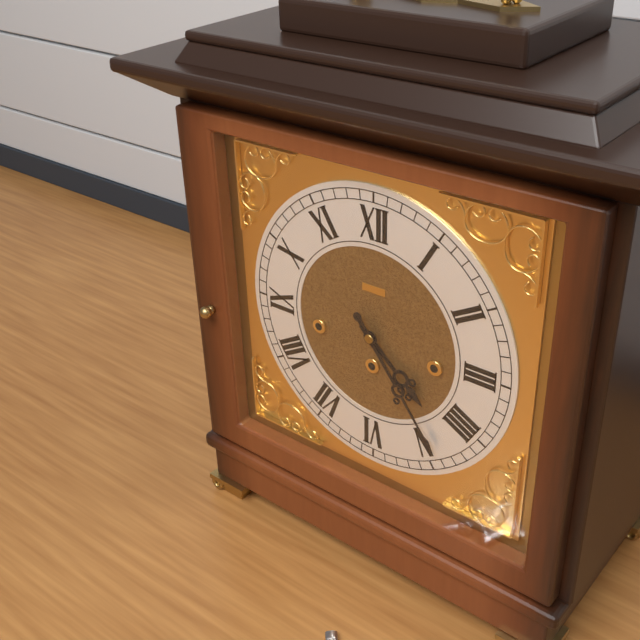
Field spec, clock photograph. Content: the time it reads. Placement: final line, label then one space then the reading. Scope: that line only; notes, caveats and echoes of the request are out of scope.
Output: 4:24
